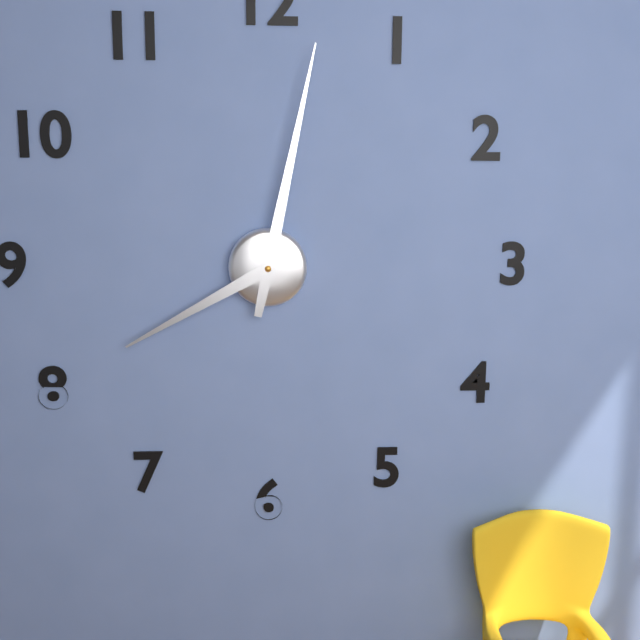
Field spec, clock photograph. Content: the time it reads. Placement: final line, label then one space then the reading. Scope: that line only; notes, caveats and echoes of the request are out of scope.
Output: 8:02
